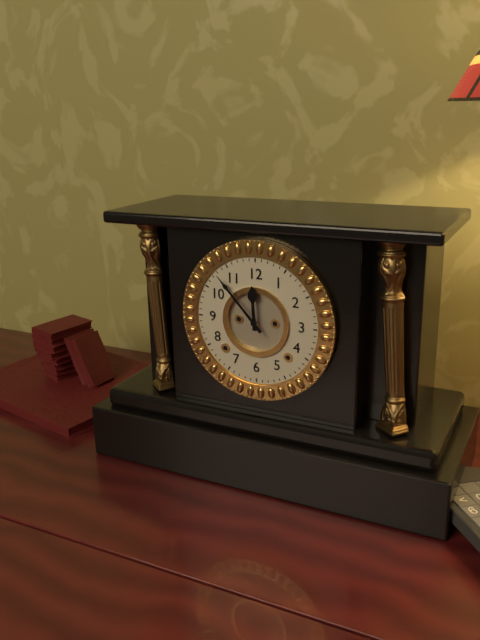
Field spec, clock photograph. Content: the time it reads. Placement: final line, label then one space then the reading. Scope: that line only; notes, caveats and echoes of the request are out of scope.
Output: 11:53
